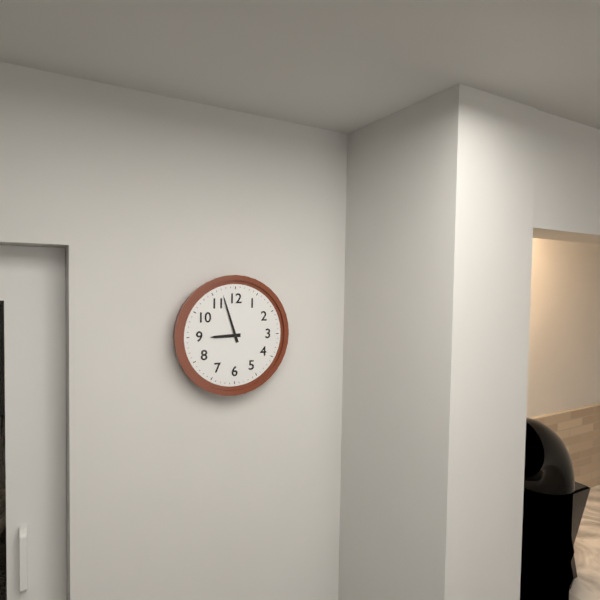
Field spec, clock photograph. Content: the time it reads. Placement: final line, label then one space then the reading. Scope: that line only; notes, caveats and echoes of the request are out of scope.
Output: 8:57
